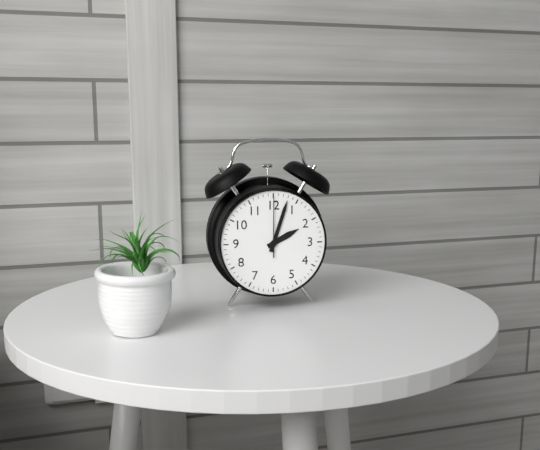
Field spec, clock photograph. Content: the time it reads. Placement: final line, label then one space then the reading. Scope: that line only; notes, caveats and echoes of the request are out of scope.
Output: 2:03:00
